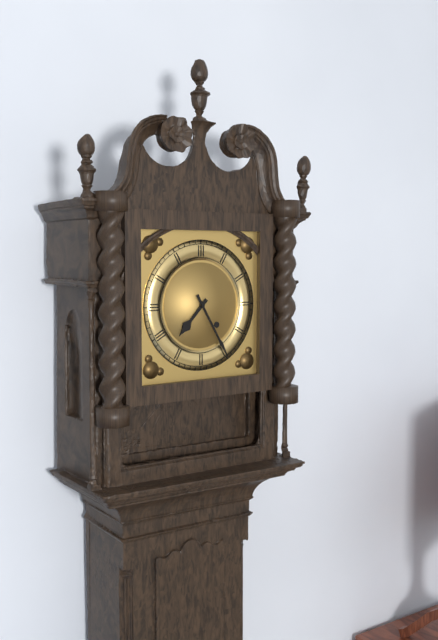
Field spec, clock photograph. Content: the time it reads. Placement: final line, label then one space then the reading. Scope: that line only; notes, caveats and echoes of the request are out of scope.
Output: 7:25
